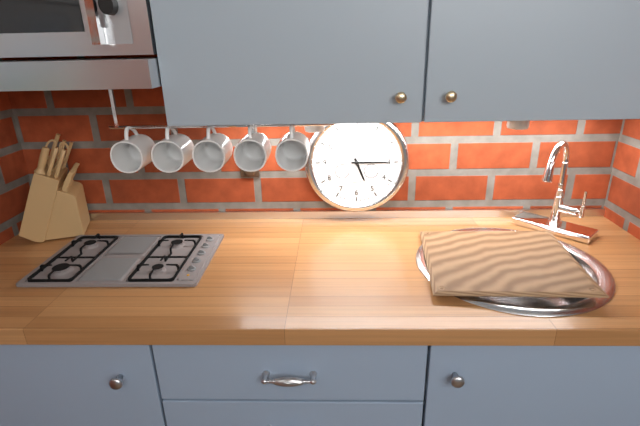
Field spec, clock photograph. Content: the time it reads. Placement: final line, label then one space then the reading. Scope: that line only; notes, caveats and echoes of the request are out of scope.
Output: 5:15
